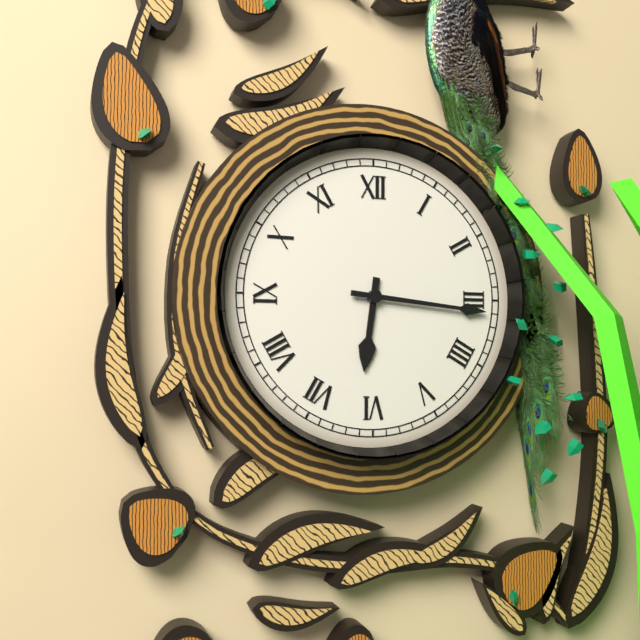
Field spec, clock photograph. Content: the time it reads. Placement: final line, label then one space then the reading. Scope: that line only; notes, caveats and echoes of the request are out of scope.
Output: 6:16
